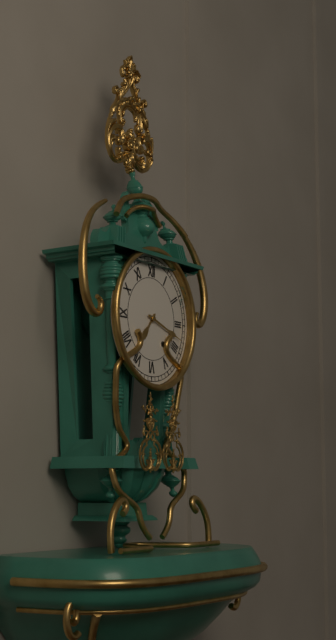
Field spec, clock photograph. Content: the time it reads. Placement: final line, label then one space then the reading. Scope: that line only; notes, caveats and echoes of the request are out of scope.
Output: 7:18
